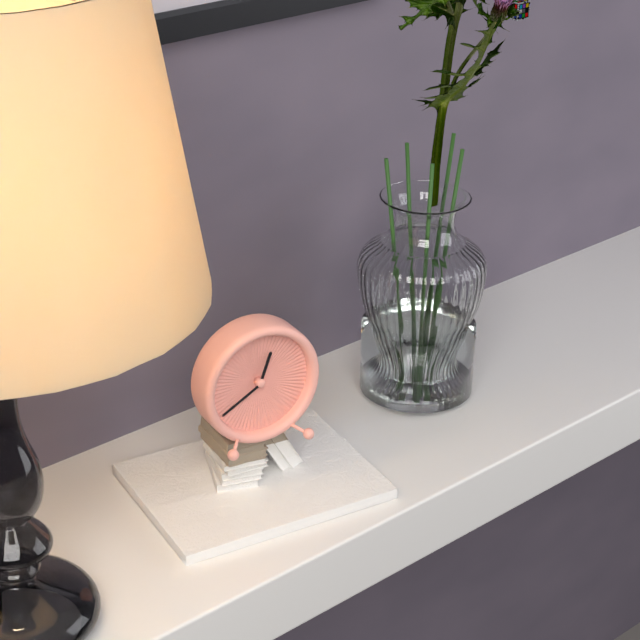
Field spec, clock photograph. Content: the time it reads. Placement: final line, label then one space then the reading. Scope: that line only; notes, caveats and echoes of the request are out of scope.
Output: 12:40
